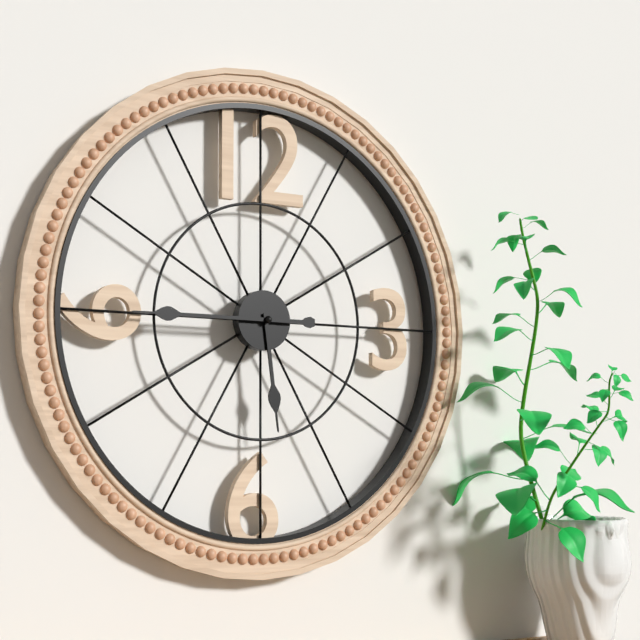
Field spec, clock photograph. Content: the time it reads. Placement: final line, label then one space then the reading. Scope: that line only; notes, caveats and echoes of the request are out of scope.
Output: 5:45
